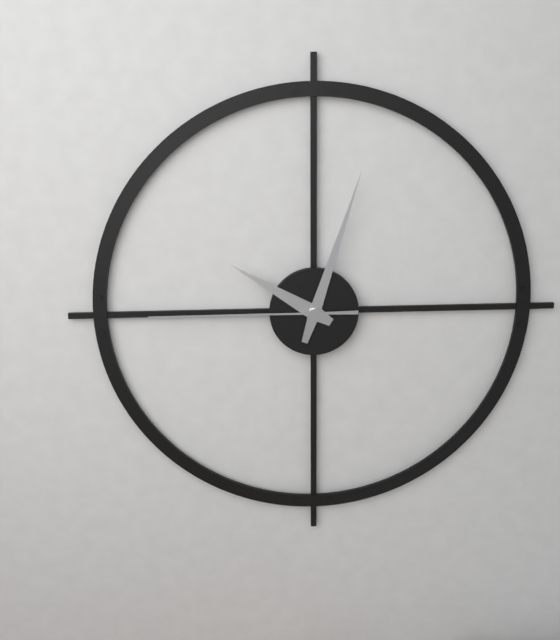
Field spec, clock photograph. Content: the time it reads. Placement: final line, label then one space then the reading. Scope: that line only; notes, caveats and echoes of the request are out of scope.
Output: 10:03:45
